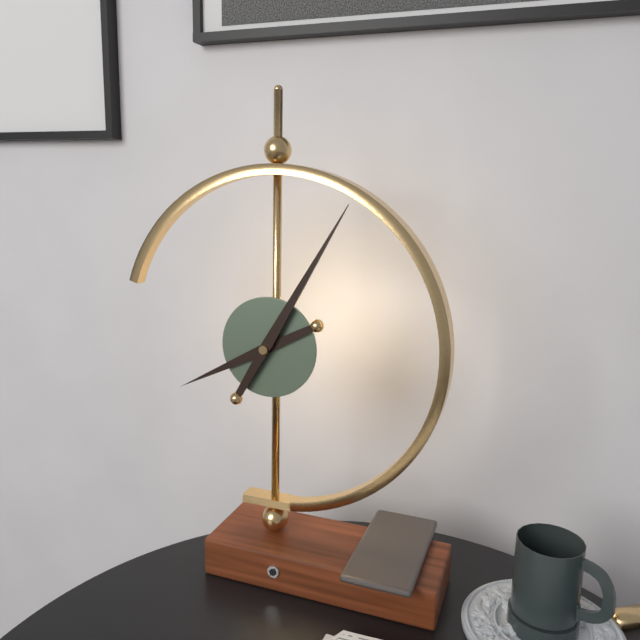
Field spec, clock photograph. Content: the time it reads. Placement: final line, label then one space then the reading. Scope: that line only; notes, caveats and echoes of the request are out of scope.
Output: 8:05
